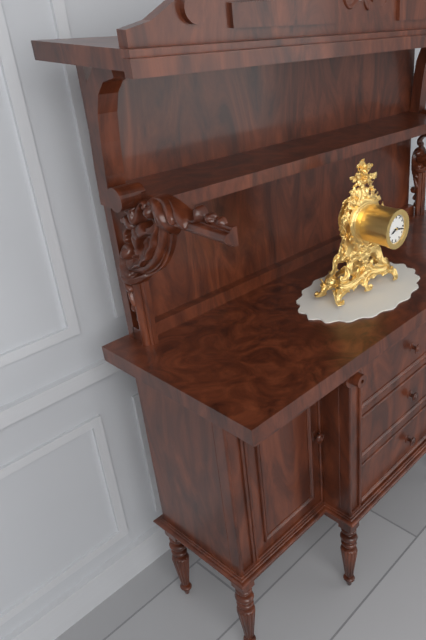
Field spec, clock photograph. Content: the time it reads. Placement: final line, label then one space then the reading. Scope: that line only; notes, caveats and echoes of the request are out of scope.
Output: 8:17
